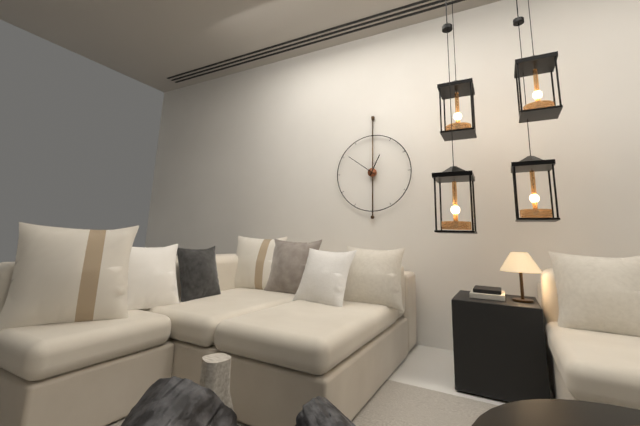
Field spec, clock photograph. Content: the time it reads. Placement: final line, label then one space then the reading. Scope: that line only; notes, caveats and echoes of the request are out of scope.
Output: 12:51
